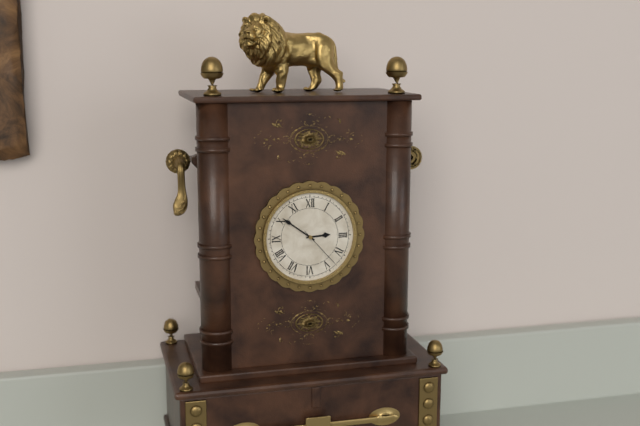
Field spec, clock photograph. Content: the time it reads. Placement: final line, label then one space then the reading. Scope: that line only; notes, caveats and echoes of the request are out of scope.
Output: 2:51
